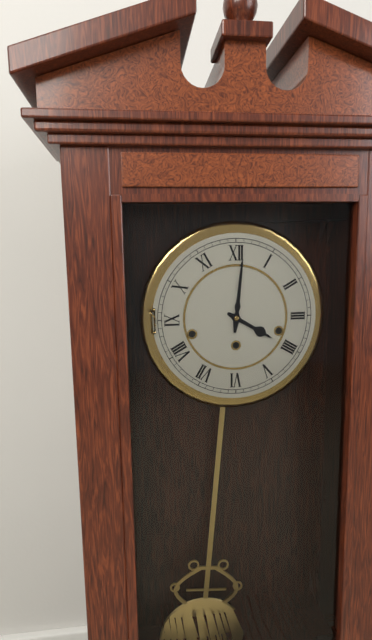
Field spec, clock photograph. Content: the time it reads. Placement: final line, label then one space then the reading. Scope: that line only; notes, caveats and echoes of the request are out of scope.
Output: 4:01
